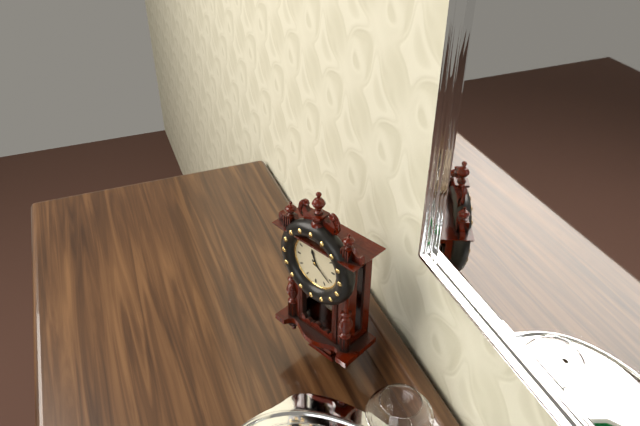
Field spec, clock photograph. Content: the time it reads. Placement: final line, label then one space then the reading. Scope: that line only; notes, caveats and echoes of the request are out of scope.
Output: 11:21
